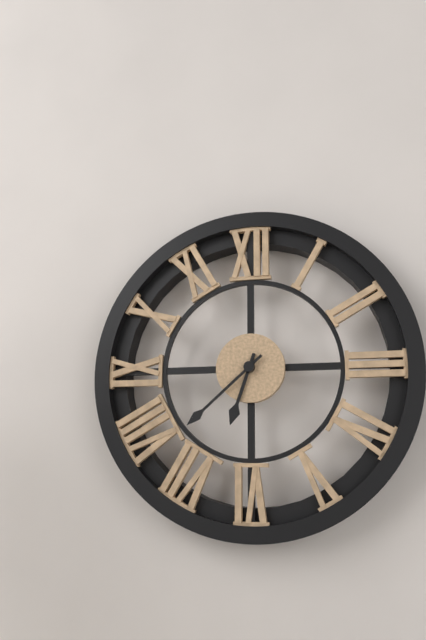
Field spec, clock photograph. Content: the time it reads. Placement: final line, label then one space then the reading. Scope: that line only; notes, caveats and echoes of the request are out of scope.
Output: 6:38
